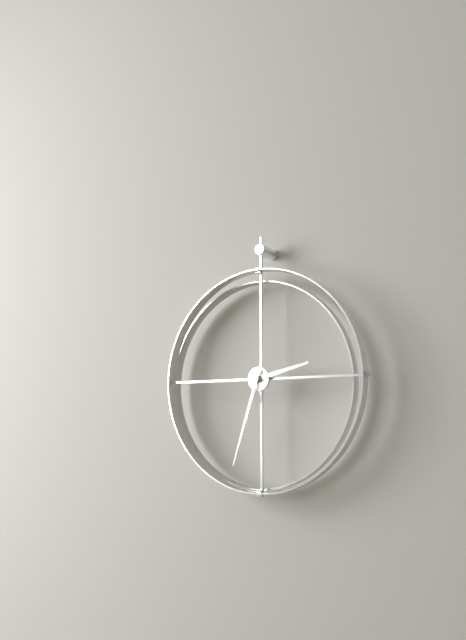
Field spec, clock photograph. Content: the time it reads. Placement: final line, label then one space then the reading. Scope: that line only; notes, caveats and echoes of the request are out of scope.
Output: 2:33
